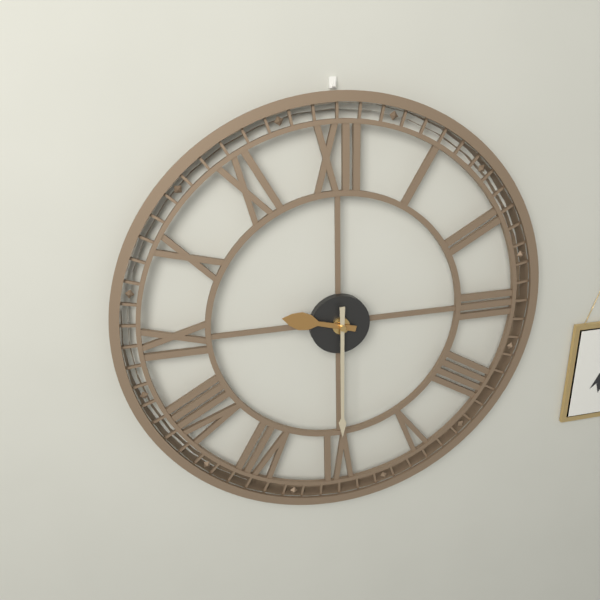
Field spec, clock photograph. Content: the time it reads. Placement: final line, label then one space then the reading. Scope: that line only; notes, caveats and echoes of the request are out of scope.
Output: 9:30
